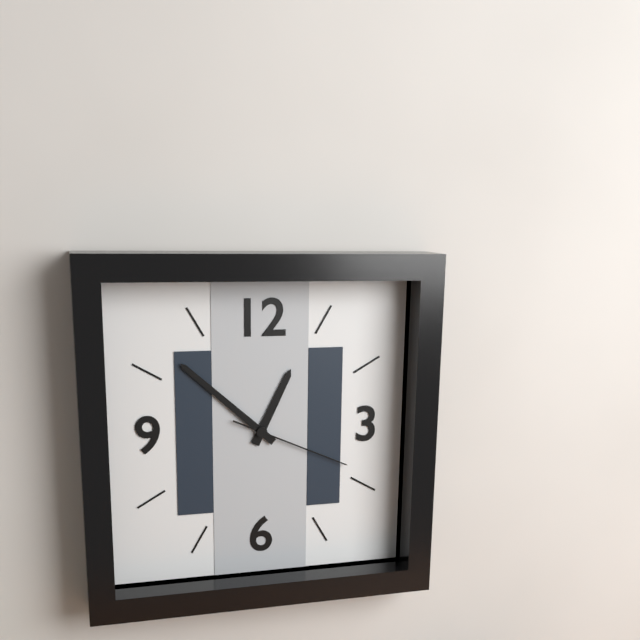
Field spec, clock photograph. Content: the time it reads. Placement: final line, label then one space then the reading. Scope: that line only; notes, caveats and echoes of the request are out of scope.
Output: 12:52:19
